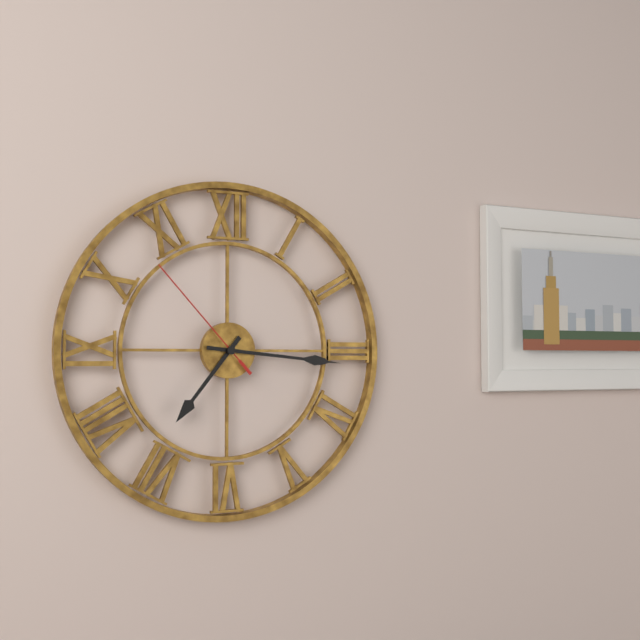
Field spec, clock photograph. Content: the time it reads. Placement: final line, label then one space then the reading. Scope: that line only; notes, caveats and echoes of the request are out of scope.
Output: 7:16:53
